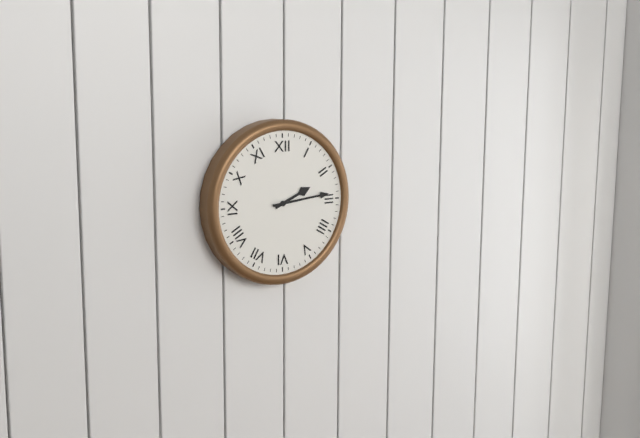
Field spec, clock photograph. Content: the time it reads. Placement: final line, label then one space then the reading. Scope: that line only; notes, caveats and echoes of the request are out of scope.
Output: 2:14
